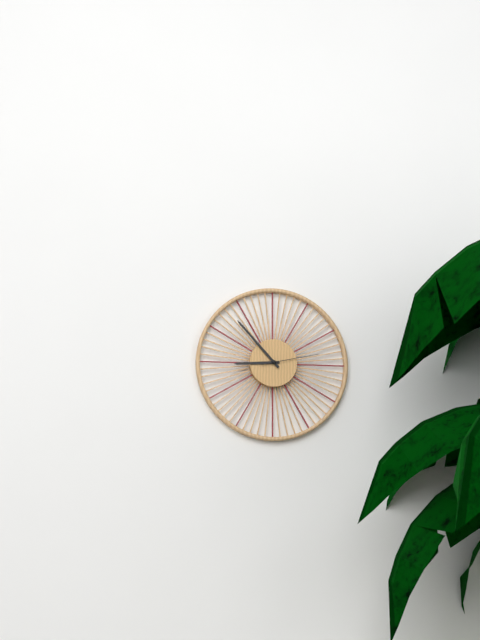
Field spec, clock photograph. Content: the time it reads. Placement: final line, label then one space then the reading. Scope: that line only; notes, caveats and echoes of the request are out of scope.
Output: 8:53:13
